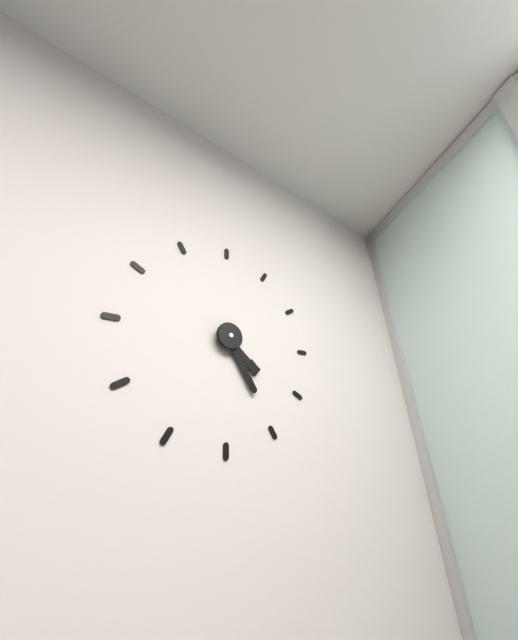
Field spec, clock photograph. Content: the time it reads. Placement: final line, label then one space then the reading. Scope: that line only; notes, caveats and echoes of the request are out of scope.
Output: 4:25
